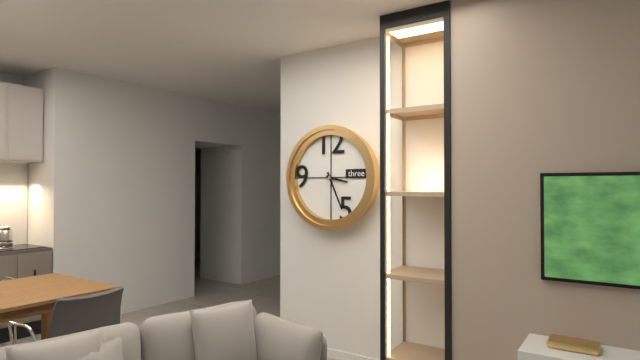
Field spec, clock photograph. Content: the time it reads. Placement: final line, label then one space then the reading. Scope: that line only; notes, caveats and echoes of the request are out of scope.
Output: 3:26
